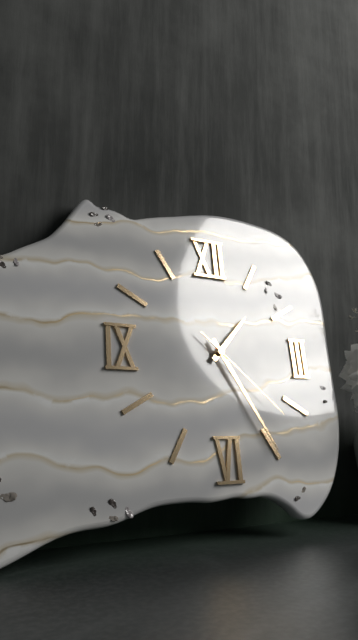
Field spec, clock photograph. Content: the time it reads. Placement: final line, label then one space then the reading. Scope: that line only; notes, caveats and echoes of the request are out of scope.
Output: 1:25:22
